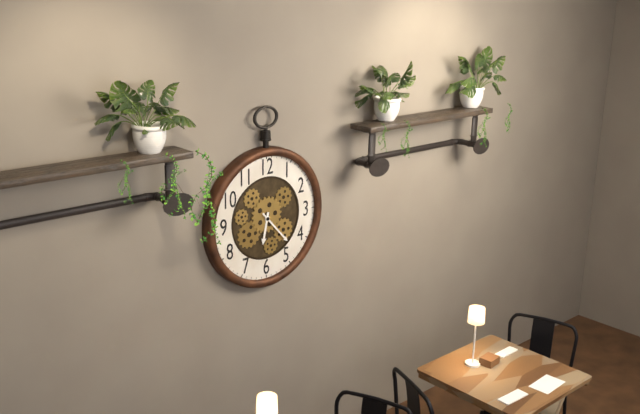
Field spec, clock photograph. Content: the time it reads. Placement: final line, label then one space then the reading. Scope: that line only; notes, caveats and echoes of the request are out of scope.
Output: 6:23
